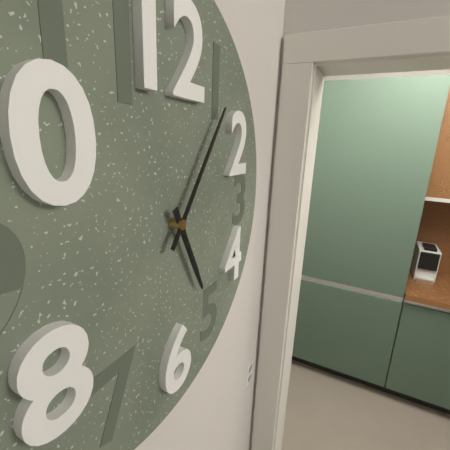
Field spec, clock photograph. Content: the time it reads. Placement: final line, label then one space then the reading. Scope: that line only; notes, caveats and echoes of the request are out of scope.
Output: 5:06
